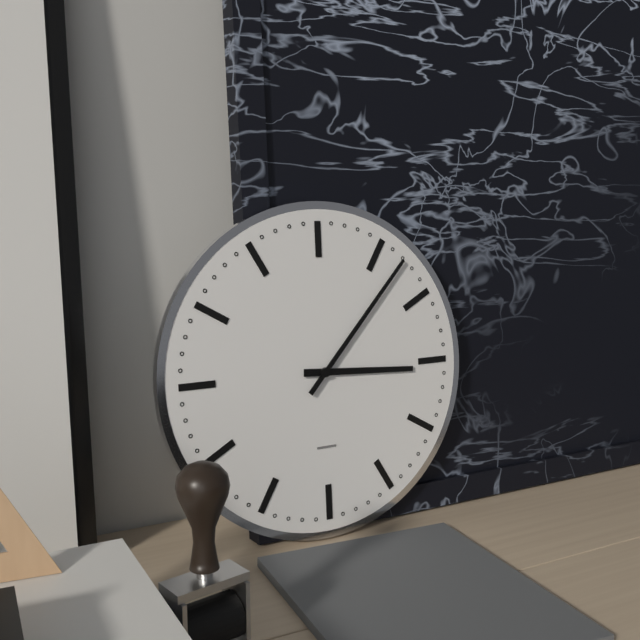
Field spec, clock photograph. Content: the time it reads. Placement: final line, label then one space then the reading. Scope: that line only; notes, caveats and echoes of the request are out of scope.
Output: 3:07
